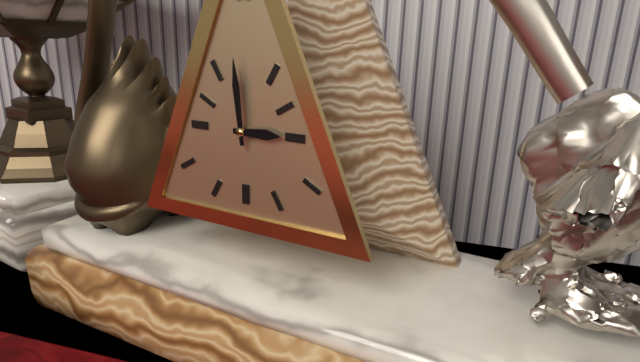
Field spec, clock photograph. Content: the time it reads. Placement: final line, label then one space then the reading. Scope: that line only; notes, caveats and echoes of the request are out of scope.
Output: 2:59
